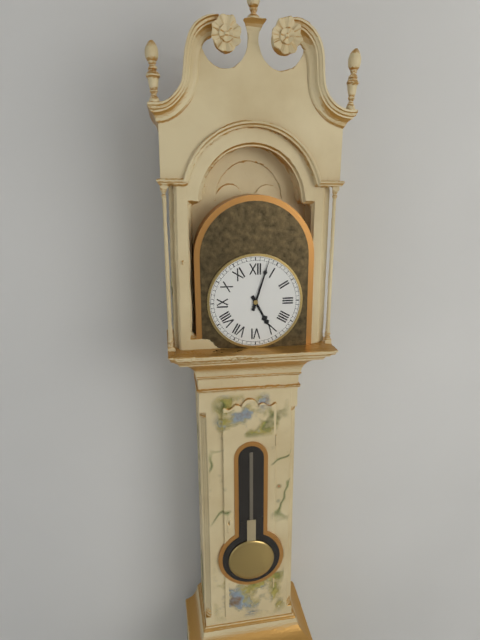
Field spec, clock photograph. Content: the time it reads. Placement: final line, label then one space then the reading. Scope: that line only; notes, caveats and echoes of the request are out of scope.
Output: 5:03
